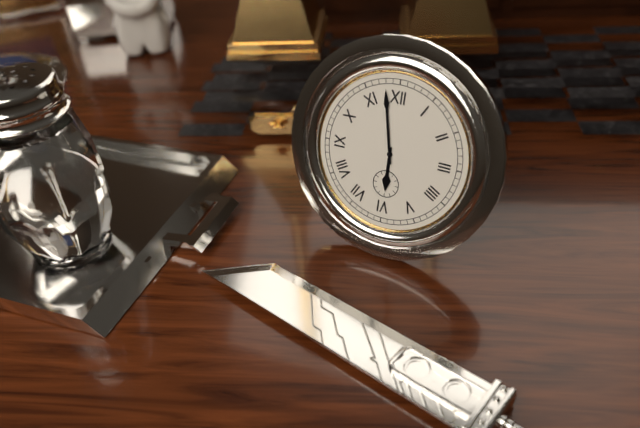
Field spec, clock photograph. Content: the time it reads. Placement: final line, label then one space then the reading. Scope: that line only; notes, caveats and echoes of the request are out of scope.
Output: 5:58
